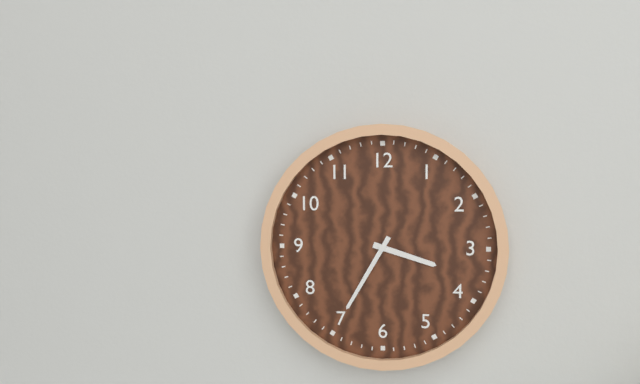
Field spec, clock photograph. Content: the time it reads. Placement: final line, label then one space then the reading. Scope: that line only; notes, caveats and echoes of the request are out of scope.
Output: 3:35
